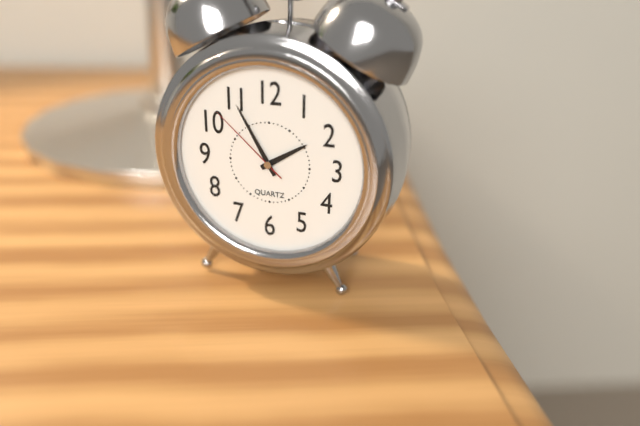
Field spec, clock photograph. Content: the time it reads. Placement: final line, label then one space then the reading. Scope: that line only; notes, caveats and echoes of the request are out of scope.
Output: 1:55:52
